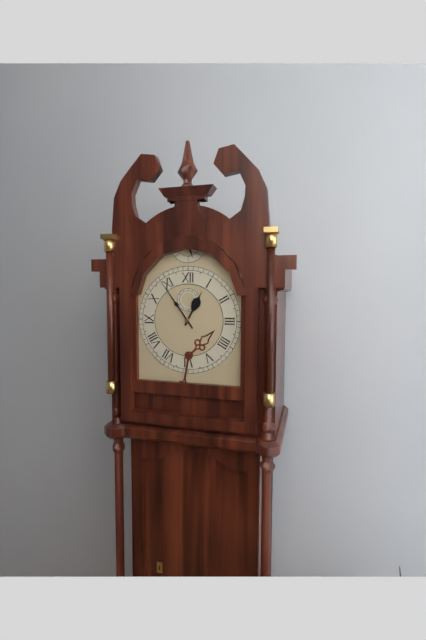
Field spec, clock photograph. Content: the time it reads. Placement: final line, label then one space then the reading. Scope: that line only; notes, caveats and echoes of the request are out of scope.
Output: 12:54
